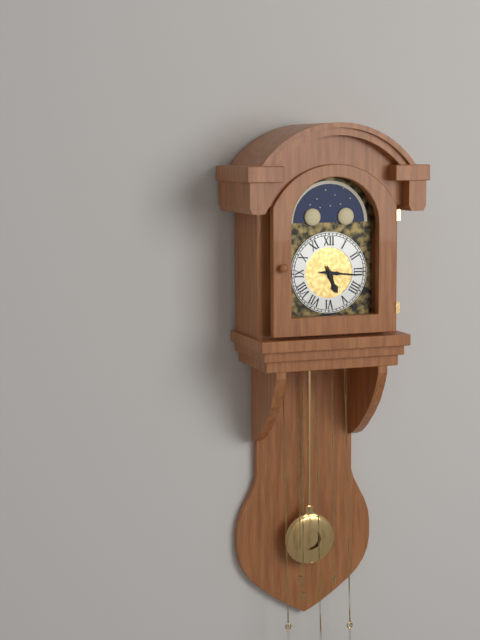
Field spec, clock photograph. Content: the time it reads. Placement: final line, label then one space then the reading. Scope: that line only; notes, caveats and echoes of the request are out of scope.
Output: 5:16
